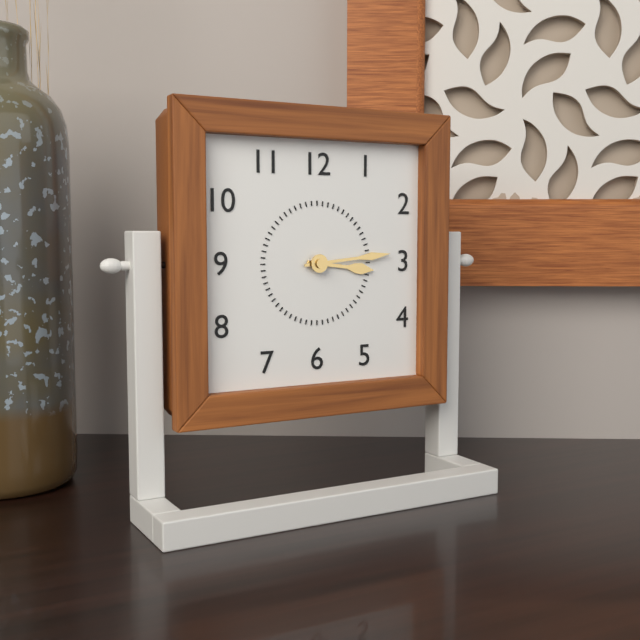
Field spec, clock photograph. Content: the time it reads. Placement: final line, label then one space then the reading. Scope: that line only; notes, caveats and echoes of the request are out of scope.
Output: 3:14
